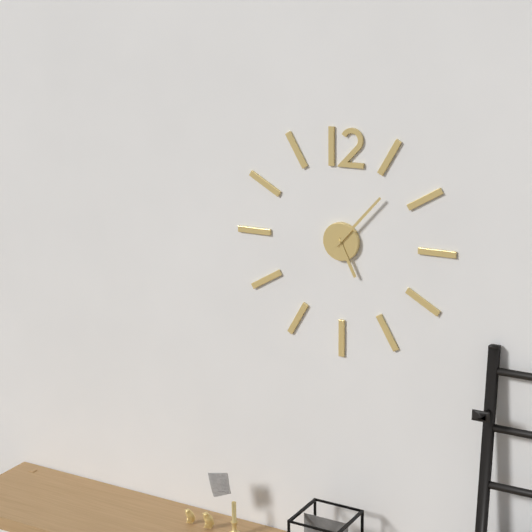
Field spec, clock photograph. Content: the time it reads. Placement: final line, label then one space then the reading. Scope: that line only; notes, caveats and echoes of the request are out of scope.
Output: 5:07
